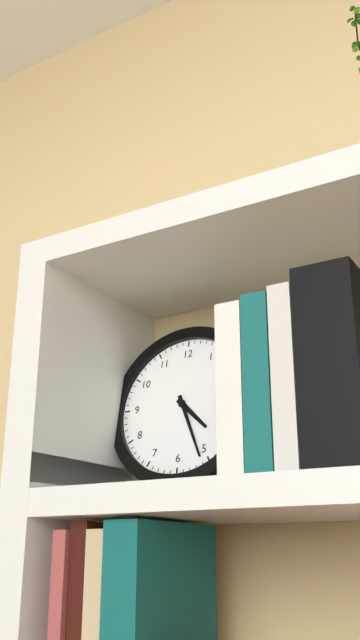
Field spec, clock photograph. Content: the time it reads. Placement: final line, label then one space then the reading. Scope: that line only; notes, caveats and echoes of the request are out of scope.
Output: 4:26
